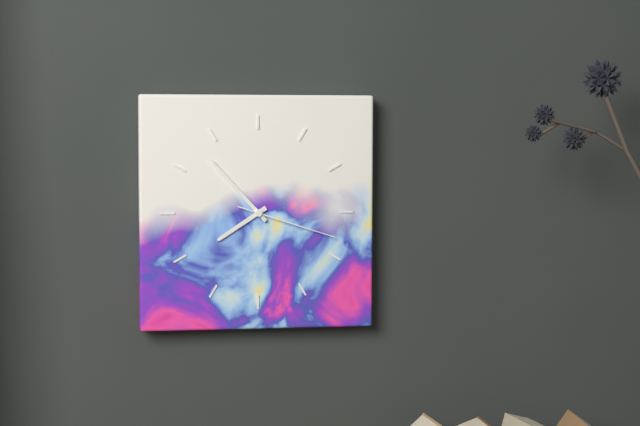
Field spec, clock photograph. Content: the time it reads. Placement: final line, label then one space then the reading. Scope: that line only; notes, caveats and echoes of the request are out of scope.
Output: 7:53:18
